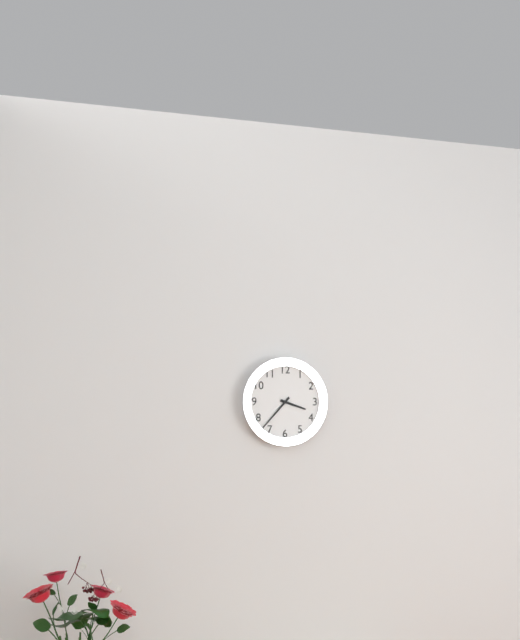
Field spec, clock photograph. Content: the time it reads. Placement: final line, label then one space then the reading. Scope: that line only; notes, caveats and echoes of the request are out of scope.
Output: 3:37
